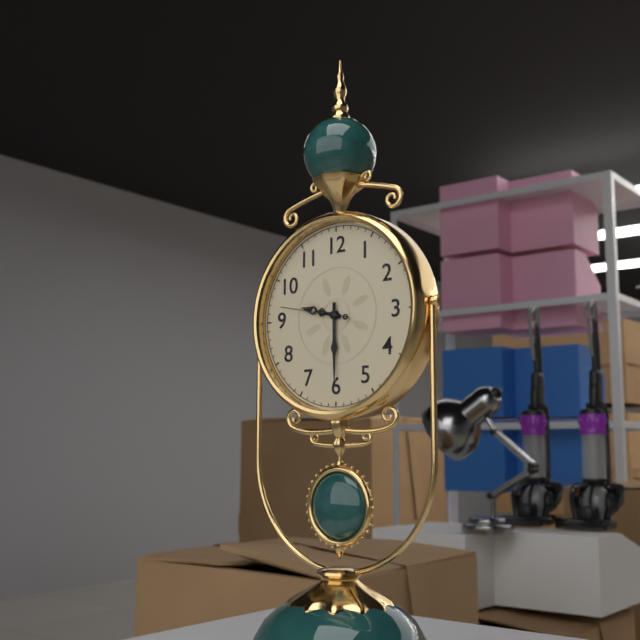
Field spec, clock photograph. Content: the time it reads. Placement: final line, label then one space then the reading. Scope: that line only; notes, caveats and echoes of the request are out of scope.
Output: 9:30:47
